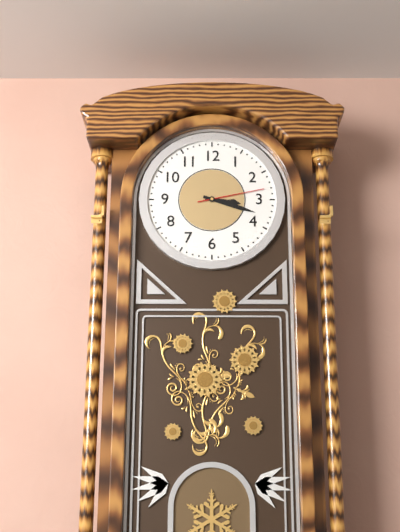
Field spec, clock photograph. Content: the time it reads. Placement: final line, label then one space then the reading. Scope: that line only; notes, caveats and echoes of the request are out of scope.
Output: 3:18:13
